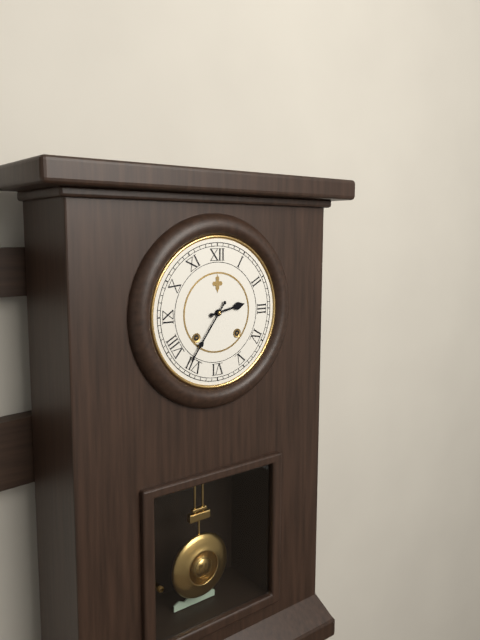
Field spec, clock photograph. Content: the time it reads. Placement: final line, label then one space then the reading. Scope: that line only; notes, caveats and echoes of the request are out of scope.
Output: 2:36
